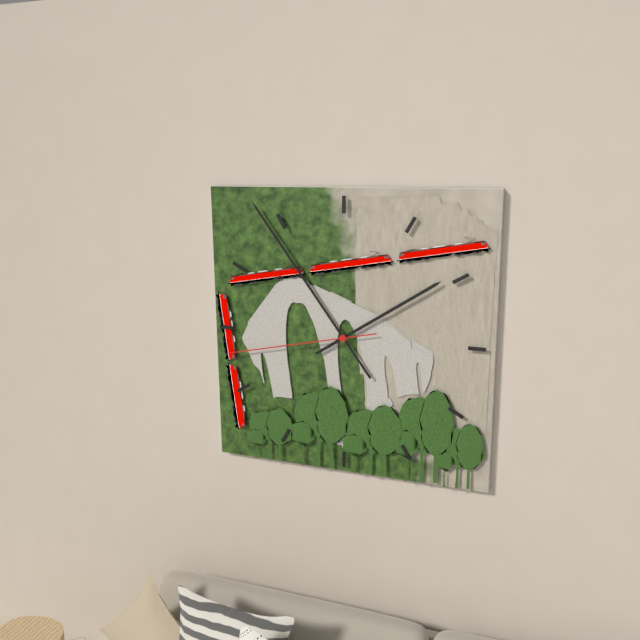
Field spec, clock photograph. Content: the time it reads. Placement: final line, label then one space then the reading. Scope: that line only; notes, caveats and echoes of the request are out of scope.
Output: 1:54:43
